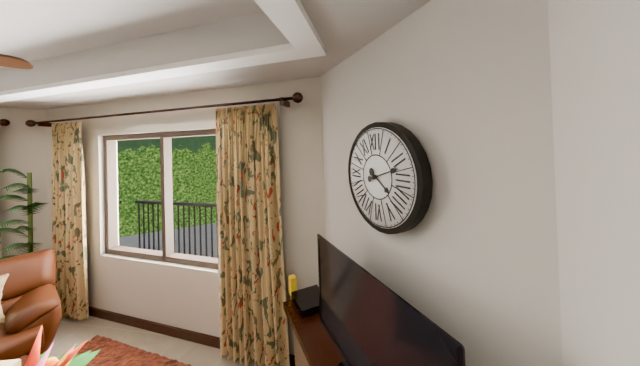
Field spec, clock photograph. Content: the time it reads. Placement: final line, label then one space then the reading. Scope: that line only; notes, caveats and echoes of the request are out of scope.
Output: 4:12
